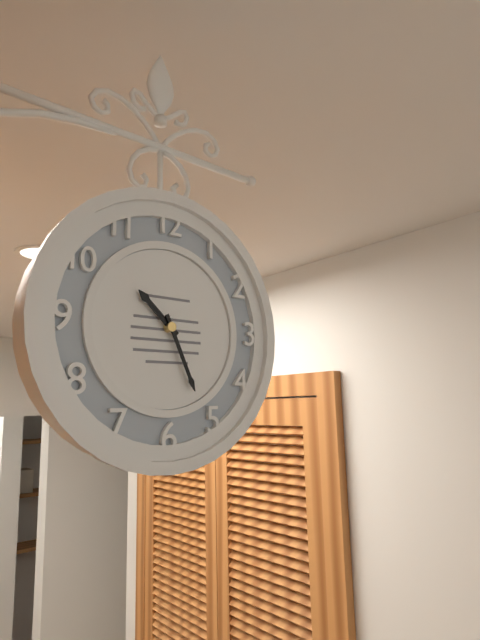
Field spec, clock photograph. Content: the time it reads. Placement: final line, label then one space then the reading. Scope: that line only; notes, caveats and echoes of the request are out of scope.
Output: 10:26
